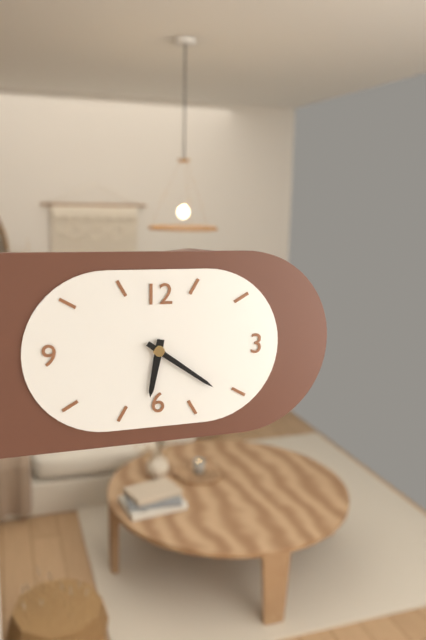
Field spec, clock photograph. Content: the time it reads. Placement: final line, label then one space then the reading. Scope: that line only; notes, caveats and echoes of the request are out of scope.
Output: 6:21
